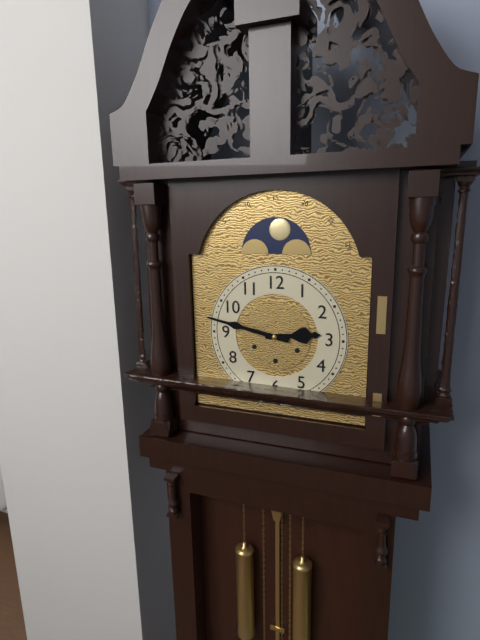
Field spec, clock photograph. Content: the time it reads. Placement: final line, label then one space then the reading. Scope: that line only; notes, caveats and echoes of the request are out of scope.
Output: 2:47
